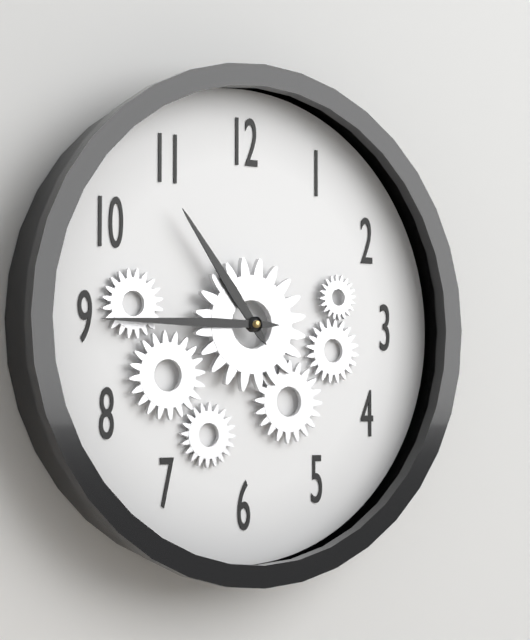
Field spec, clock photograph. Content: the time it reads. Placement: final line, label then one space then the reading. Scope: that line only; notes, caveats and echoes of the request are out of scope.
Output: 10:45
